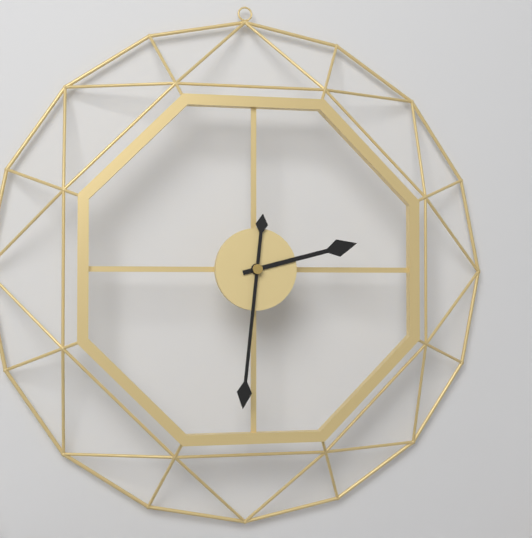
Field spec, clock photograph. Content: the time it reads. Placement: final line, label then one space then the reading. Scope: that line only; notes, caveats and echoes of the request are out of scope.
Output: 2:31
